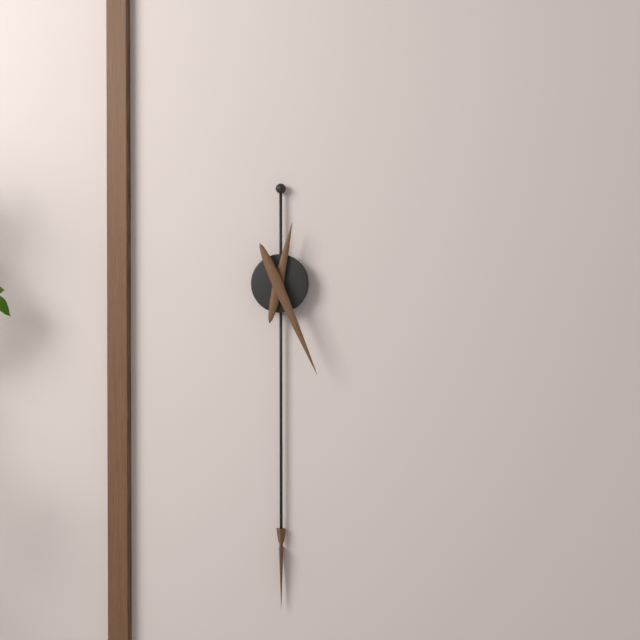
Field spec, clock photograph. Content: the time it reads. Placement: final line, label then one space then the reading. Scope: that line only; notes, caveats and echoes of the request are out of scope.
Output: 12:26
